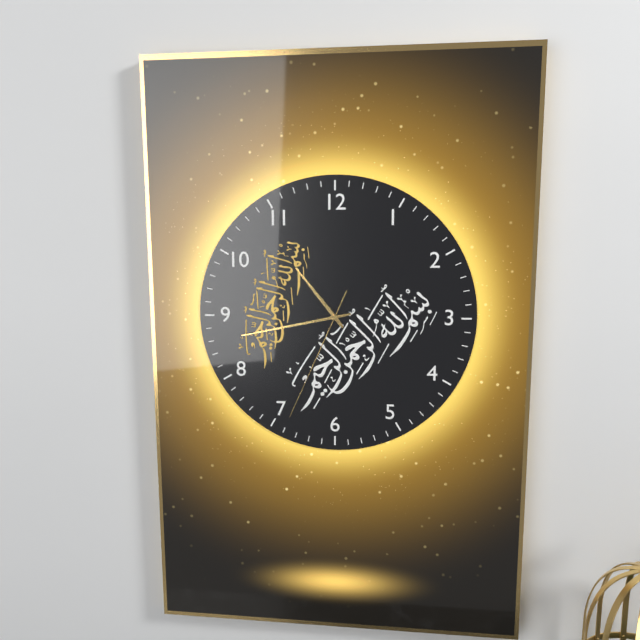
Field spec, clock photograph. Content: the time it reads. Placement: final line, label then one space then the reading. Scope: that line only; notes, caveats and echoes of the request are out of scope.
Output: 10:43:34
